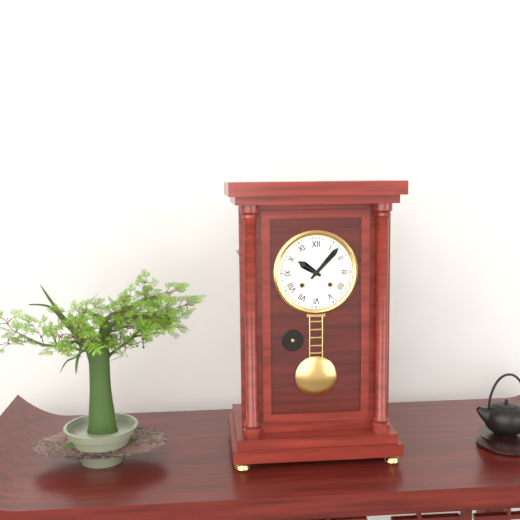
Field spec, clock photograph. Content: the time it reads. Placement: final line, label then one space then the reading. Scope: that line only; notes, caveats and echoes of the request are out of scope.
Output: 10:07
